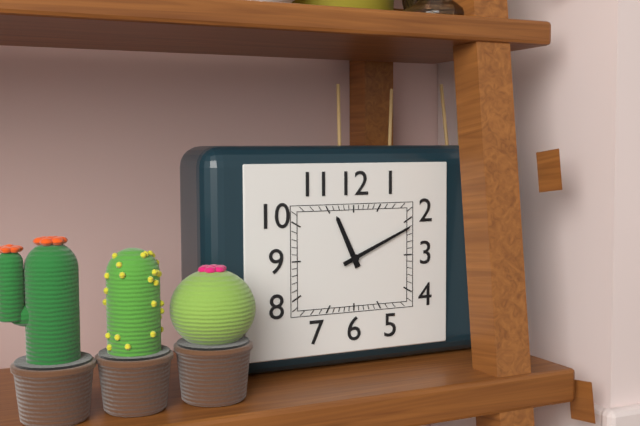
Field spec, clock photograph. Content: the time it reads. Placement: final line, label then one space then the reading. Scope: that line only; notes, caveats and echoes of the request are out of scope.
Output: 11:11
